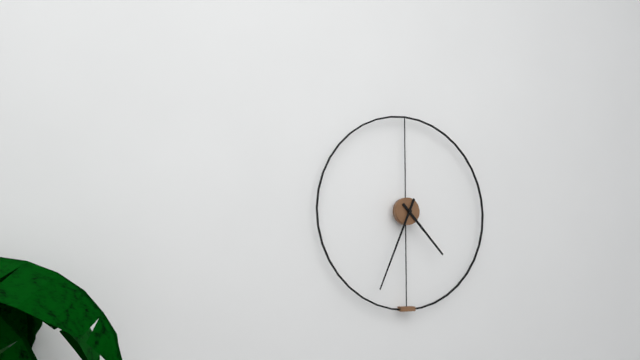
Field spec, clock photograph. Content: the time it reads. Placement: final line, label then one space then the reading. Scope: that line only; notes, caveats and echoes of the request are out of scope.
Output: 4:34
